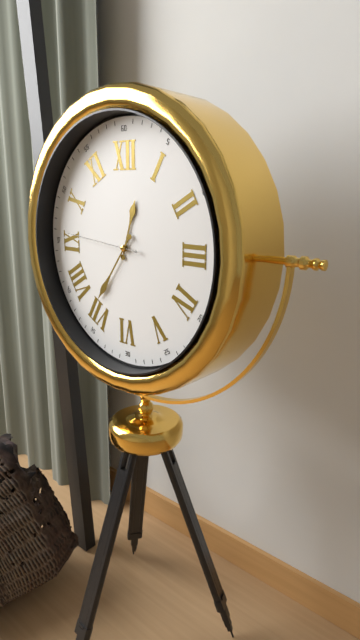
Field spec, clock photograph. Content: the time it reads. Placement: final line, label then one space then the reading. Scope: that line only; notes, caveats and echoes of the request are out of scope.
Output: 12:36:46
